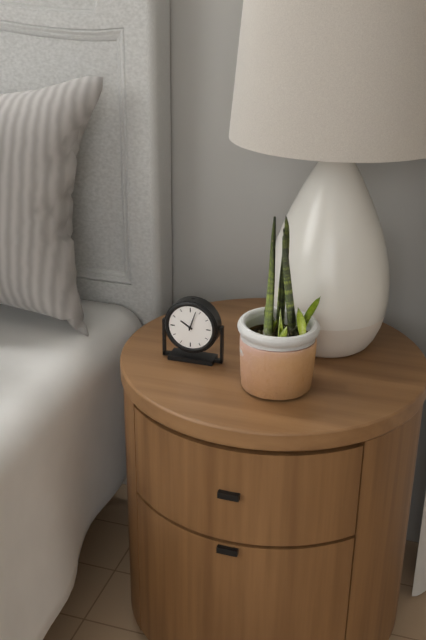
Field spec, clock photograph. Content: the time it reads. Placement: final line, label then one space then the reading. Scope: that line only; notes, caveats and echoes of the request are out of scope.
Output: 10:03
